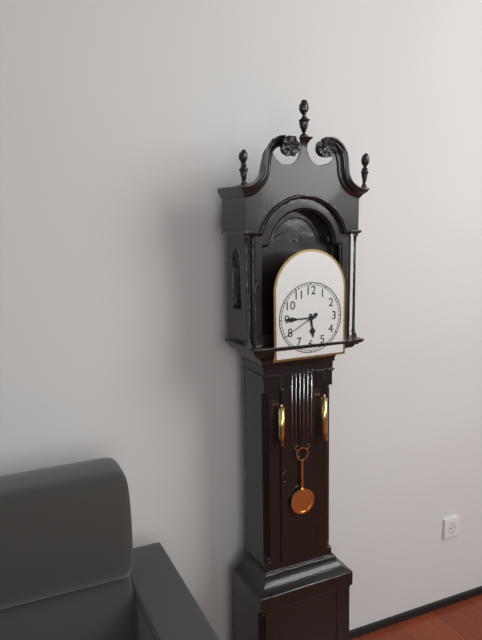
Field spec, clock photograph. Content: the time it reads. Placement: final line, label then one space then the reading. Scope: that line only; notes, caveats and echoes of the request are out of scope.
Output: 5:45
